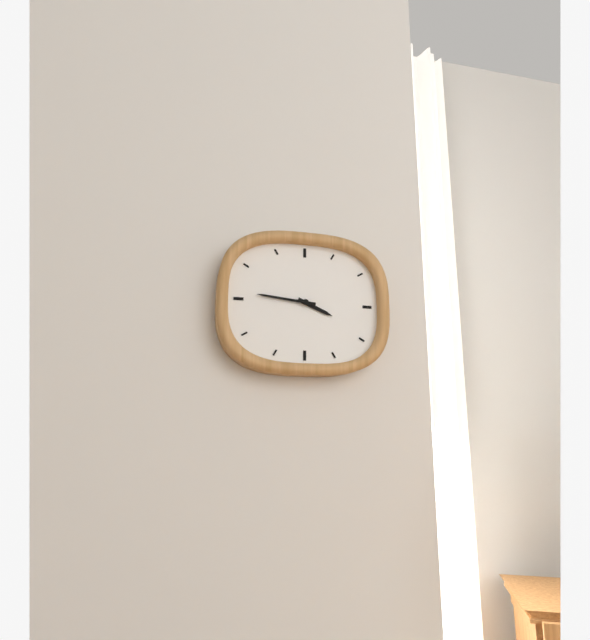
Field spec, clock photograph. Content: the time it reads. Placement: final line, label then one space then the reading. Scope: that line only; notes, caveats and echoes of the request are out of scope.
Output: 3:46
